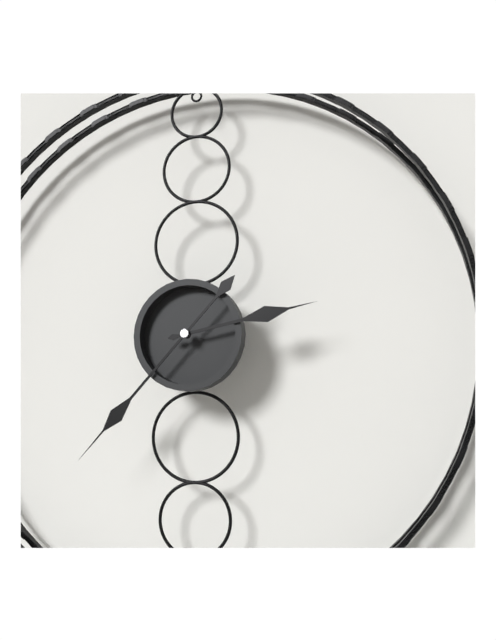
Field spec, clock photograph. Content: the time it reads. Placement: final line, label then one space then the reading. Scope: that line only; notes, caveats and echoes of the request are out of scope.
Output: 2:37
